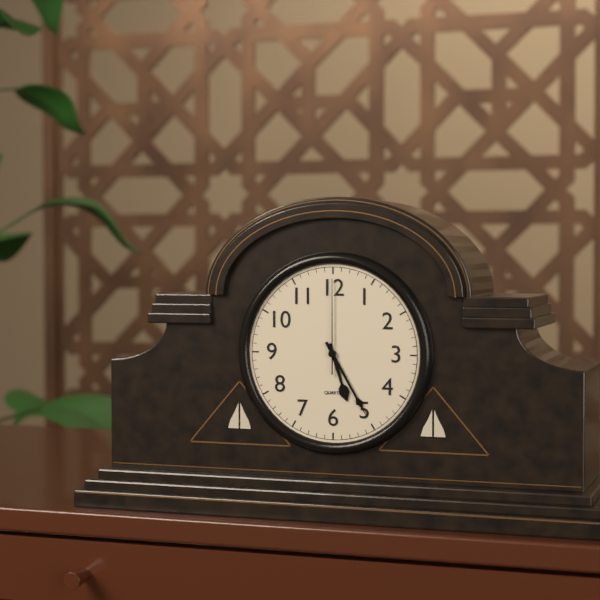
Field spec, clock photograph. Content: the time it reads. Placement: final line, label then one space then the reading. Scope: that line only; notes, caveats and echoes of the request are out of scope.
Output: 5:25:00
